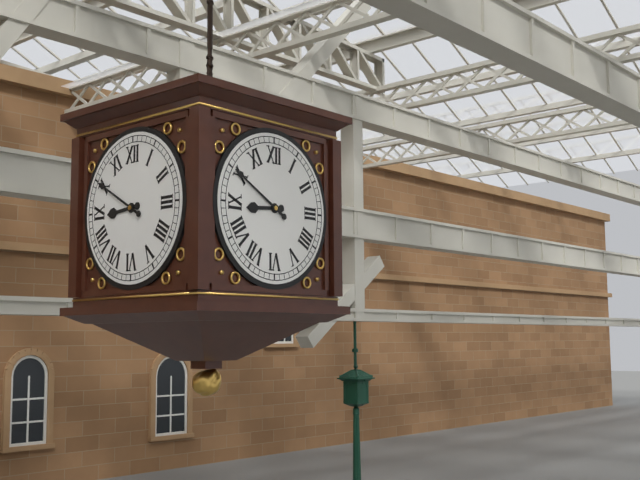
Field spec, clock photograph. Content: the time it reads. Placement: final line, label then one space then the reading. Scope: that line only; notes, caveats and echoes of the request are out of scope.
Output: 8:50
